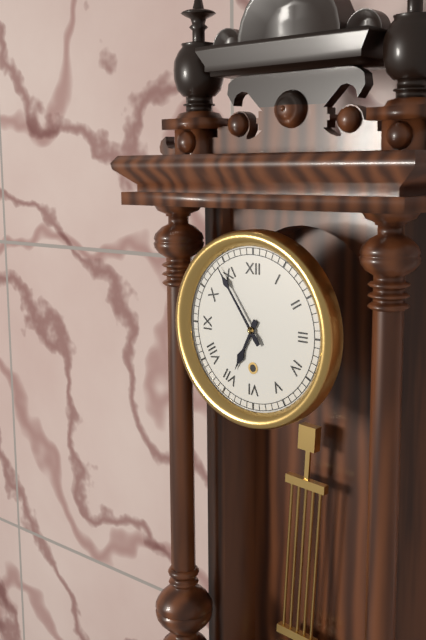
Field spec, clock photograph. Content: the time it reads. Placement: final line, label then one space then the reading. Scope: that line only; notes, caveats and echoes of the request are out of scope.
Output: 6:54
